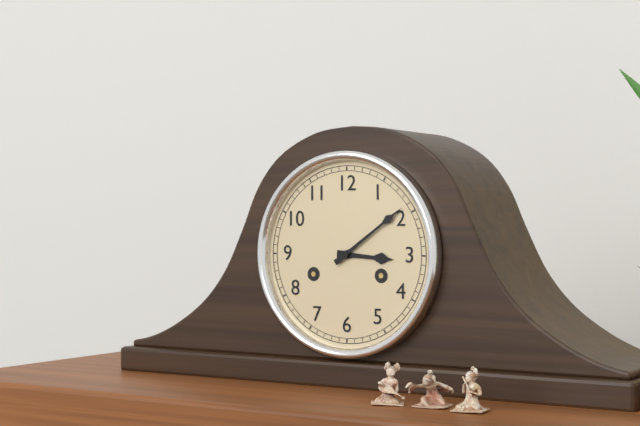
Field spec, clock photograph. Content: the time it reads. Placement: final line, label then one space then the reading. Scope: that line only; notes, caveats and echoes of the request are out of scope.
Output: 3:09
